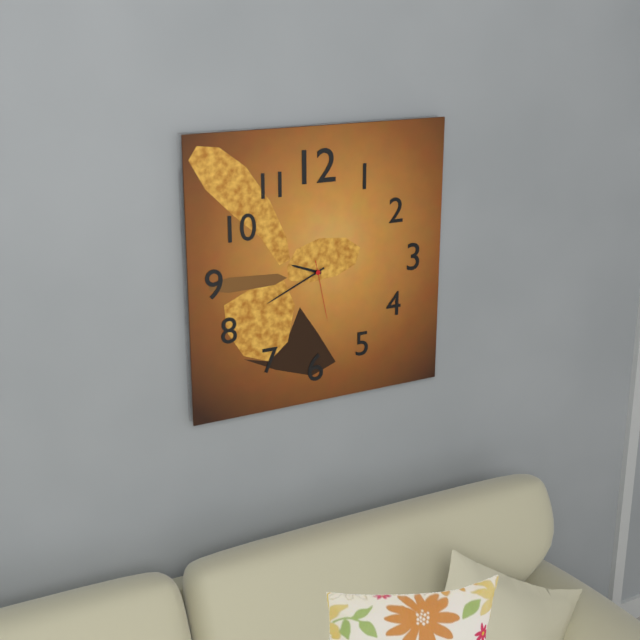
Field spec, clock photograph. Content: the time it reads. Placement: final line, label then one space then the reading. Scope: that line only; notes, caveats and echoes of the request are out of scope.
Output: 9:41:28
